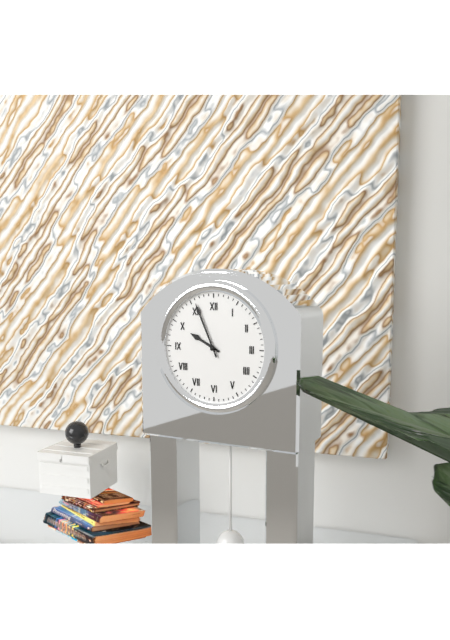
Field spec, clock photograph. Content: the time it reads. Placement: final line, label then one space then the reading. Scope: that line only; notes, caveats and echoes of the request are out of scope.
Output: 9:56
